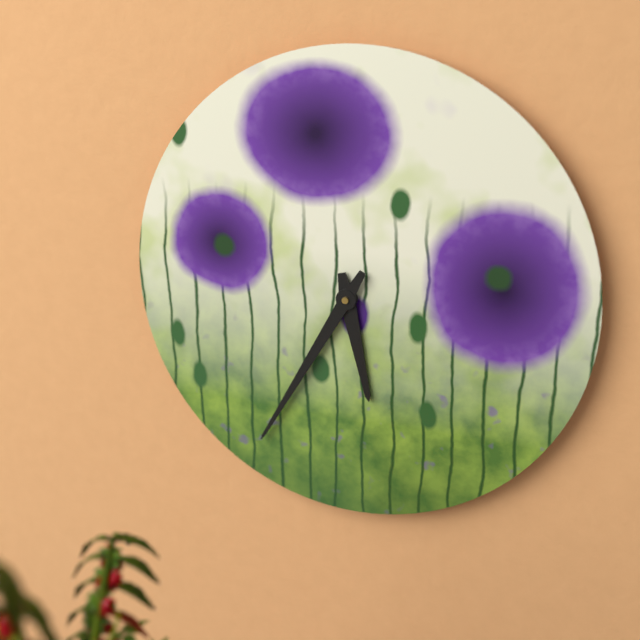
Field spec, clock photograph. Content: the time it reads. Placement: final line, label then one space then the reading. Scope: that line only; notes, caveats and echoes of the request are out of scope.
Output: 5:35
